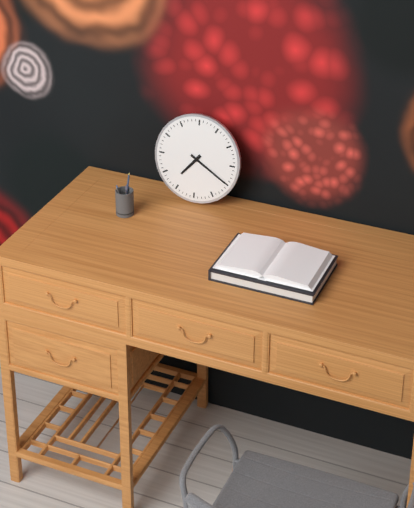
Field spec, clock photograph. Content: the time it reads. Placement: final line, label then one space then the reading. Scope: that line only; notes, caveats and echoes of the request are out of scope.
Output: 7:20
